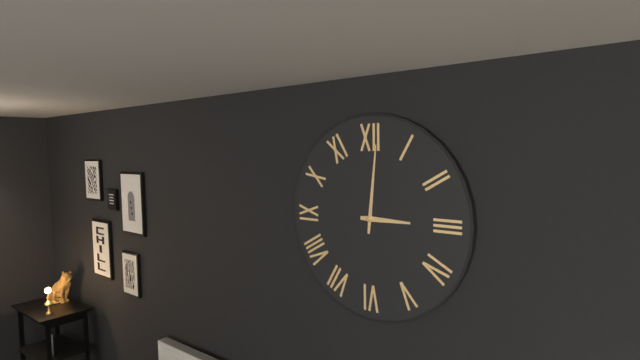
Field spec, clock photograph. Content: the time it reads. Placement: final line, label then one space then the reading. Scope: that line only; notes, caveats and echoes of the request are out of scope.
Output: 3:01
